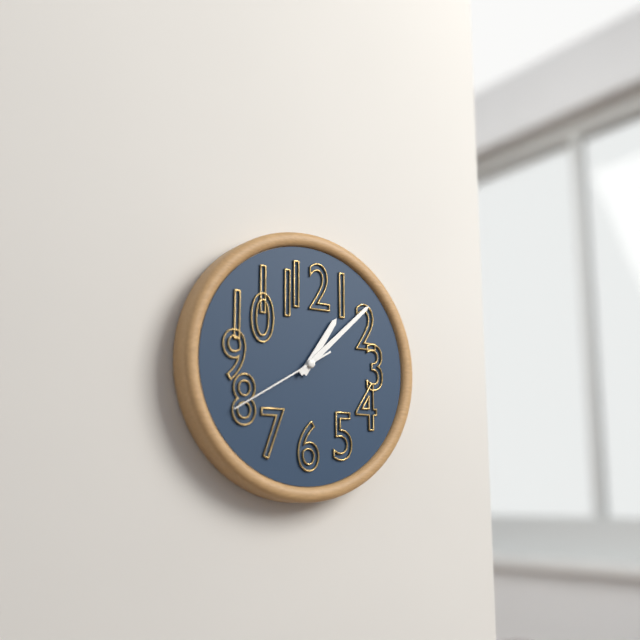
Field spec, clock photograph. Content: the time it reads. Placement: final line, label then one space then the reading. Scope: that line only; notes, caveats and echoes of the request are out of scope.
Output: 1:08:40
